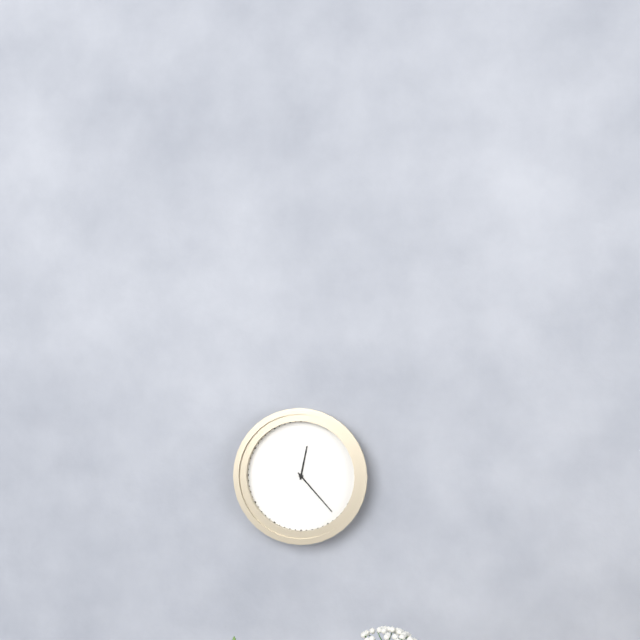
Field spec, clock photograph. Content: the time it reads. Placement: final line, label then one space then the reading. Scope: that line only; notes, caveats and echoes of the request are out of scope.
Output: 12:23
